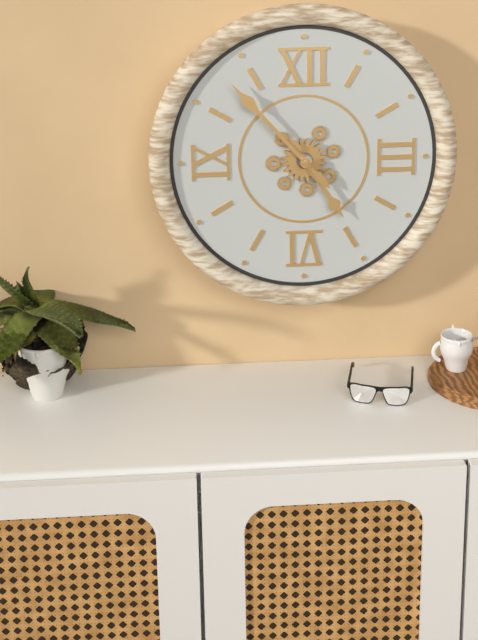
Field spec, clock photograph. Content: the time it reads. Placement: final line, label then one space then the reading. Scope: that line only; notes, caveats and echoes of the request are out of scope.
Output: 4:53
